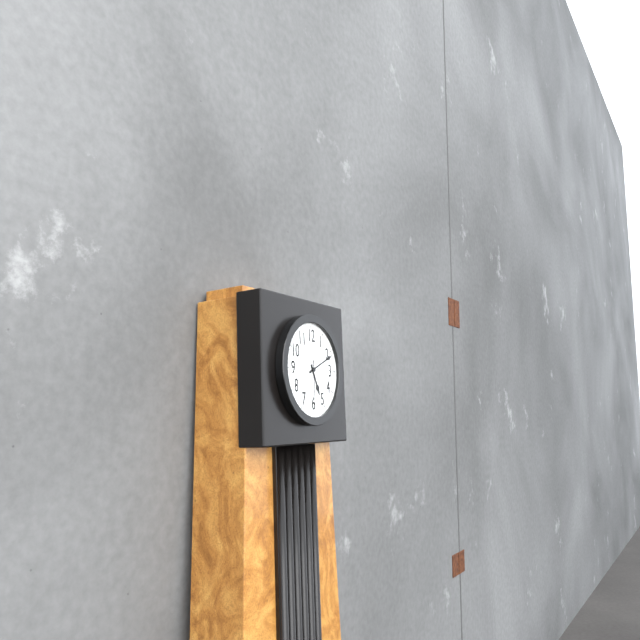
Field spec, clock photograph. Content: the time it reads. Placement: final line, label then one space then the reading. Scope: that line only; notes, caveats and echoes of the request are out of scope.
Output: 5:11
